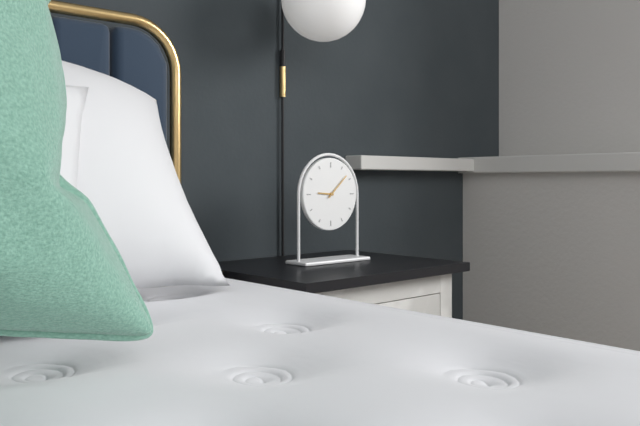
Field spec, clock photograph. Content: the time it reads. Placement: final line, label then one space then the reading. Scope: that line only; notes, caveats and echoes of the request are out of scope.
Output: 9:08
